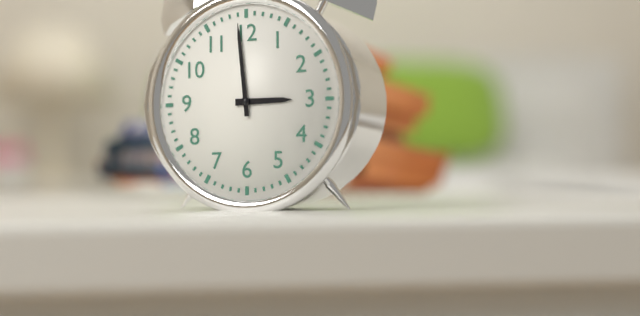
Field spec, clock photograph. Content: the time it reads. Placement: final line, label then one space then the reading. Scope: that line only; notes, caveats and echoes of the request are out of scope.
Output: 2:59
